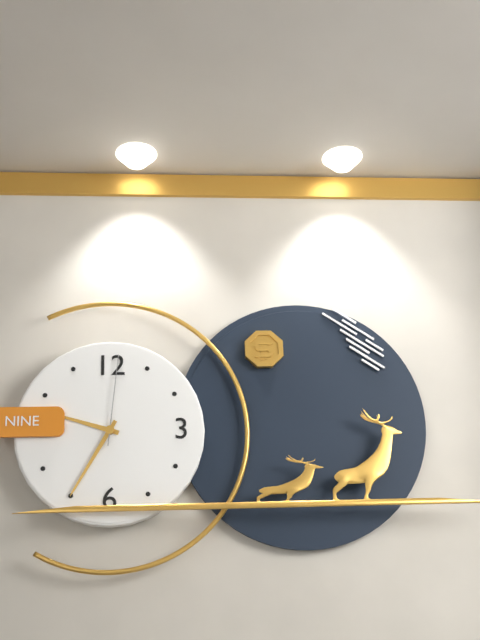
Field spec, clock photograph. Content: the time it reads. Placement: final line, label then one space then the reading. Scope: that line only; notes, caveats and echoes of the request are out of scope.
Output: 9:35:01
